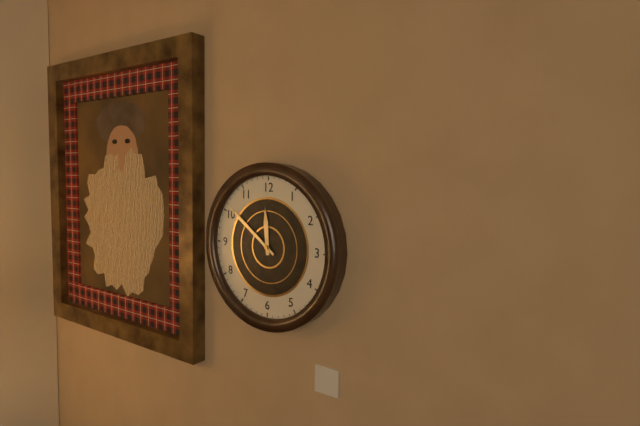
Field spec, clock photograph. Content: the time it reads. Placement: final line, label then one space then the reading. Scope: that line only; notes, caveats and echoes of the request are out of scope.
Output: 11:51
